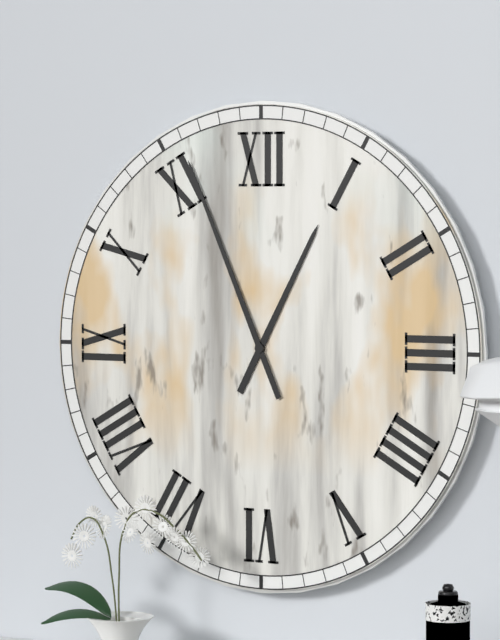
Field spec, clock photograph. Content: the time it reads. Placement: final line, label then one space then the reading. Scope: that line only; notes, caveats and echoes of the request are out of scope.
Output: 12:56
